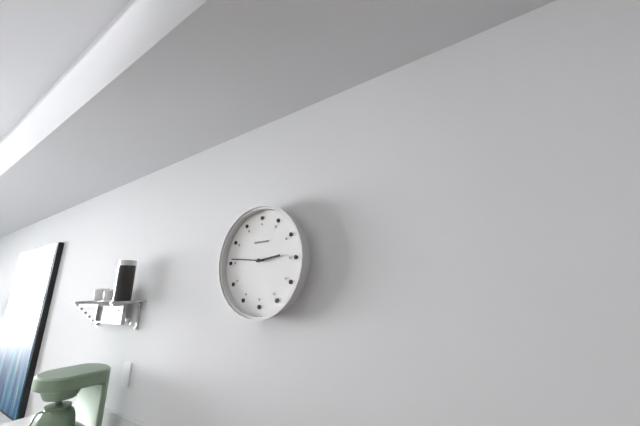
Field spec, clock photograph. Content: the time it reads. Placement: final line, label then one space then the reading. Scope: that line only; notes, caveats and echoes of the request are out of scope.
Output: 2:46
